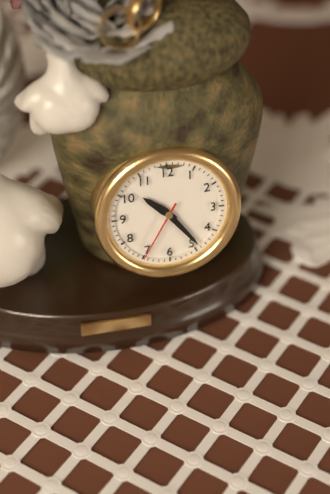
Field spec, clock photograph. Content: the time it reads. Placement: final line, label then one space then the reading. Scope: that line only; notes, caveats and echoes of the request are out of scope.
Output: 10:24:35
